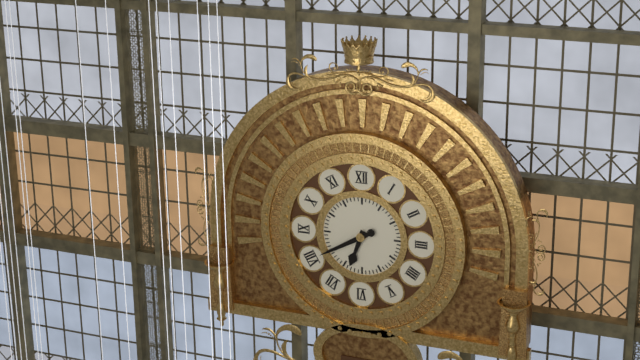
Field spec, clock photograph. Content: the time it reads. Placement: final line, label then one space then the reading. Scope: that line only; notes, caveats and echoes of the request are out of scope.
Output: 6:40
